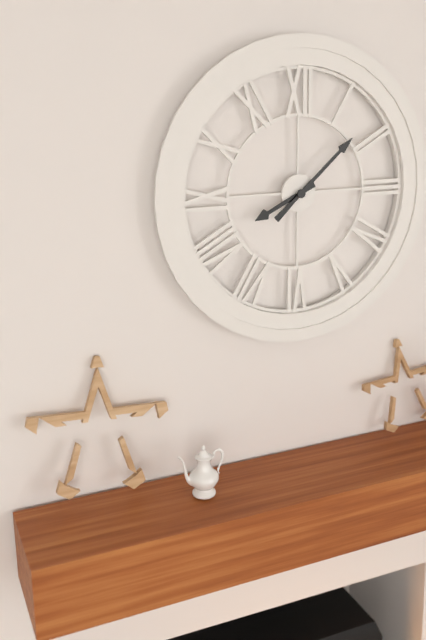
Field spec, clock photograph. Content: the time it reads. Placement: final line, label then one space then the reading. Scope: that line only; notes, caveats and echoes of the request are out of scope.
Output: 8:08
